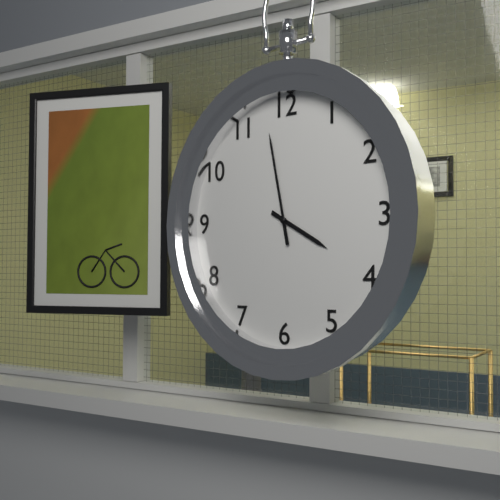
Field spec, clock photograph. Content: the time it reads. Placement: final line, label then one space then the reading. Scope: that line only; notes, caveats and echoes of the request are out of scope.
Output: 3:58
